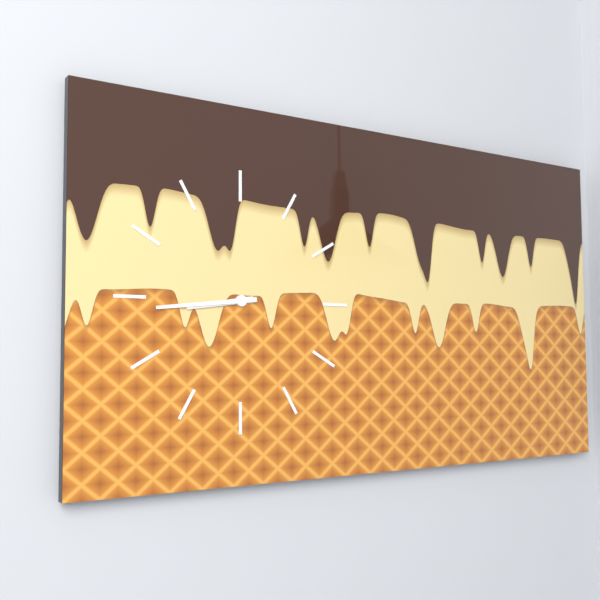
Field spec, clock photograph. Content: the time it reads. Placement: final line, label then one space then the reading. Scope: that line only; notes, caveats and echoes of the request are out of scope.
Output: 8:44
